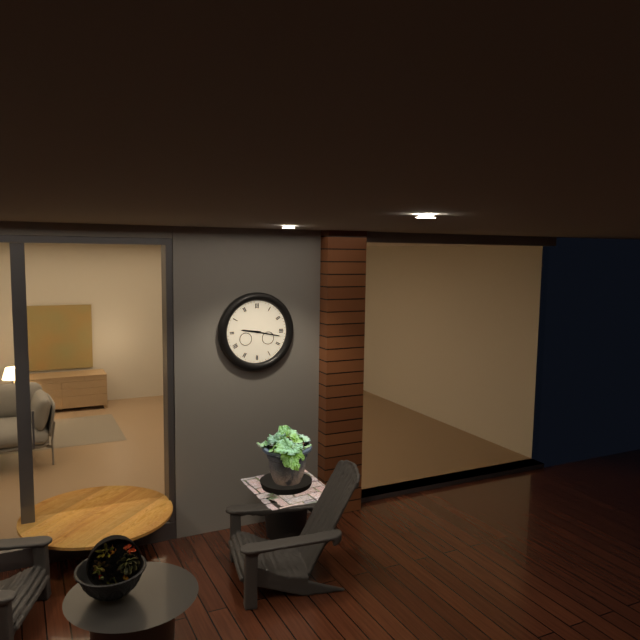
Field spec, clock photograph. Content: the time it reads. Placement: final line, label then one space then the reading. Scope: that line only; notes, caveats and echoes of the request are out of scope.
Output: 9:17
